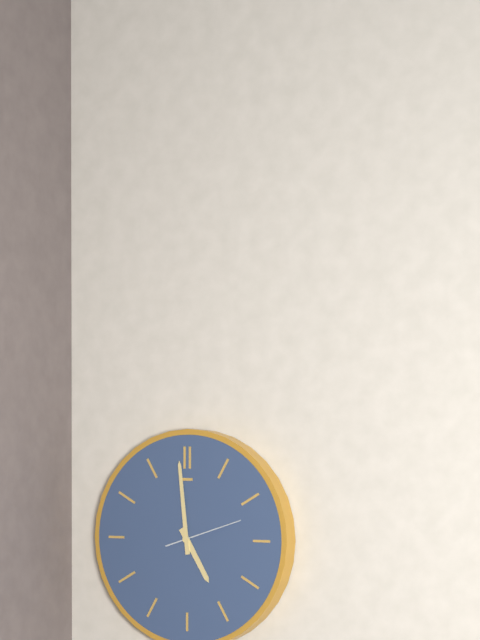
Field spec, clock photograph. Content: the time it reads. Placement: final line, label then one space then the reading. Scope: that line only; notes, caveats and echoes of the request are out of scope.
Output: 4:59:12
